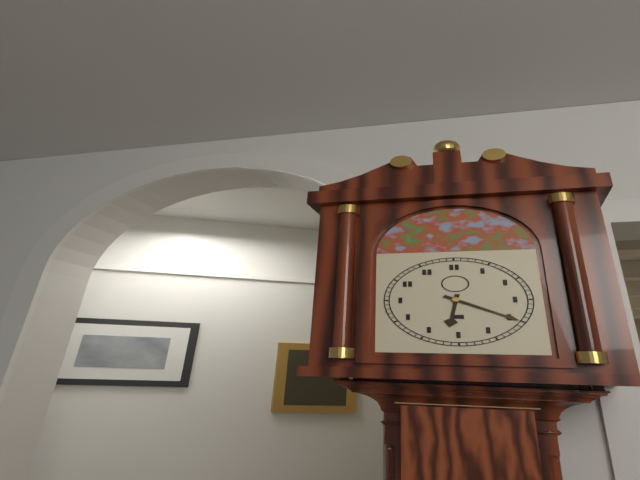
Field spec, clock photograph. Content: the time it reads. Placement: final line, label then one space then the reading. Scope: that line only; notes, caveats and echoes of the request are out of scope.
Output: 6:20
